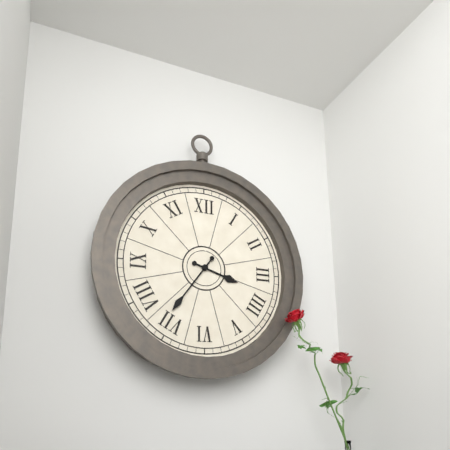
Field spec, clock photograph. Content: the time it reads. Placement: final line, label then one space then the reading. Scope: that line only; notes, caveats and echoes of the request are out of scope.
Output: 3:36
